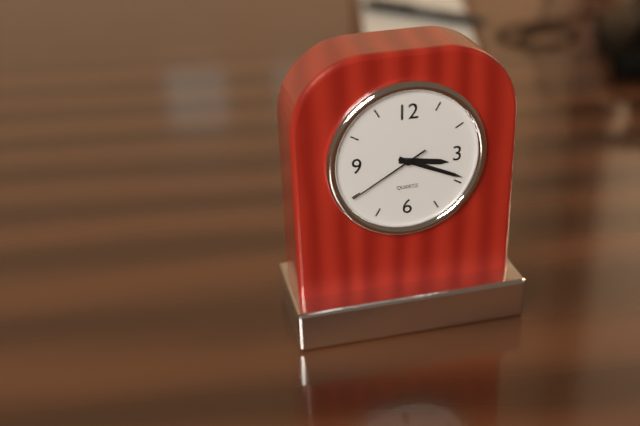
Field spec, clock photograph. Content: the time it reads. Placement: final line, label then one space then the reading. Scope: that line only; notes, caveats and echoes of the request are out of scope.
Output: 3:19:40
